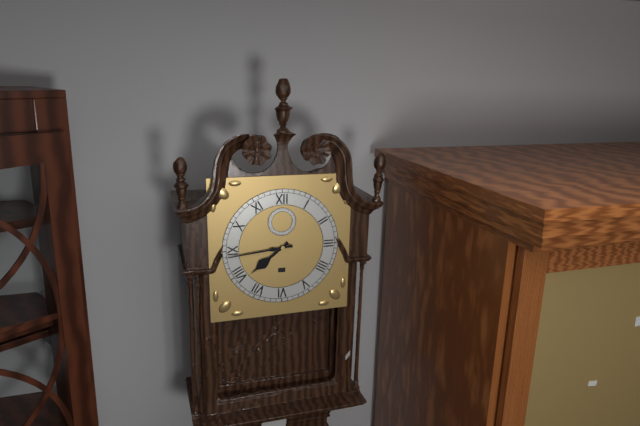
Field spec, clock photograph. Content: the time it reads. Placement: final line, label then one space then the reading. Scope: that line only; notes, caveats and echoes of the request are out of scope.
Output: 7:44
